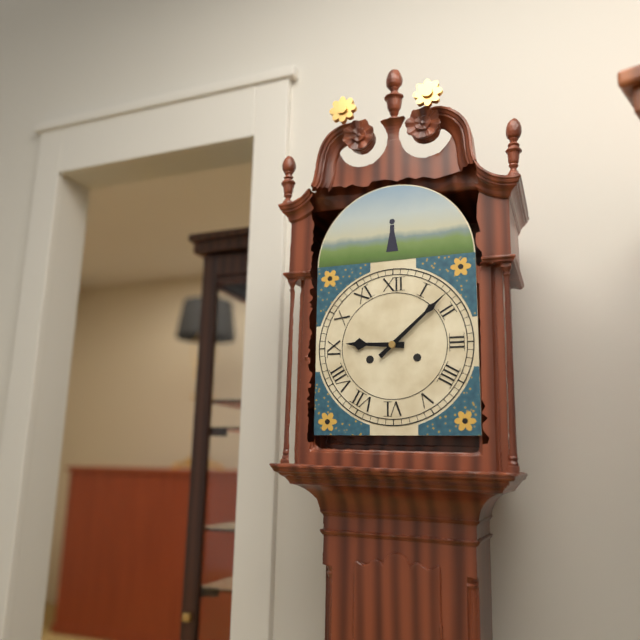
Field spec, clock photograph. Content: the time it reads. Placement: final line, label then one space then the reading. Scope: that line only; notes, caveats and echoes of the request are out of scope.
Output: 9:08
